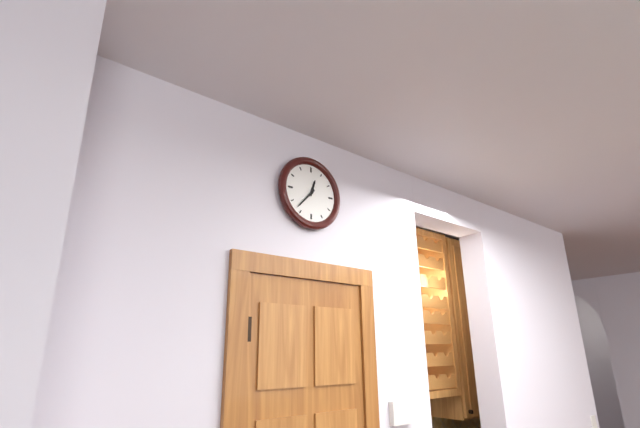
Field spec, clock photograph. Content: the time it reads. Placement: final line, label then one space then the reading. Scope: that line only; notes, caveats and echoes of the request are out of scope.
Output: 12:37
